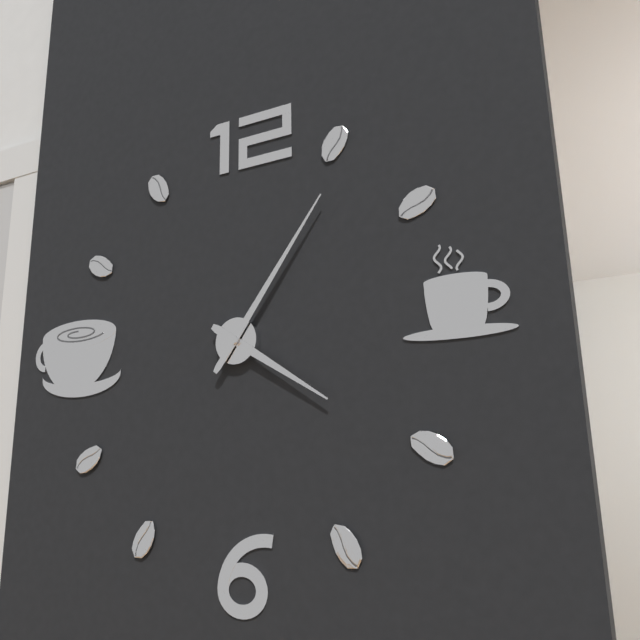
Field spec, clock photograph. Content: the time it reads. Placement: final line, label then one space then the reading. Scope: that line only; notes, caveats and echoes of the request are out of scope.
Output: 4:06
